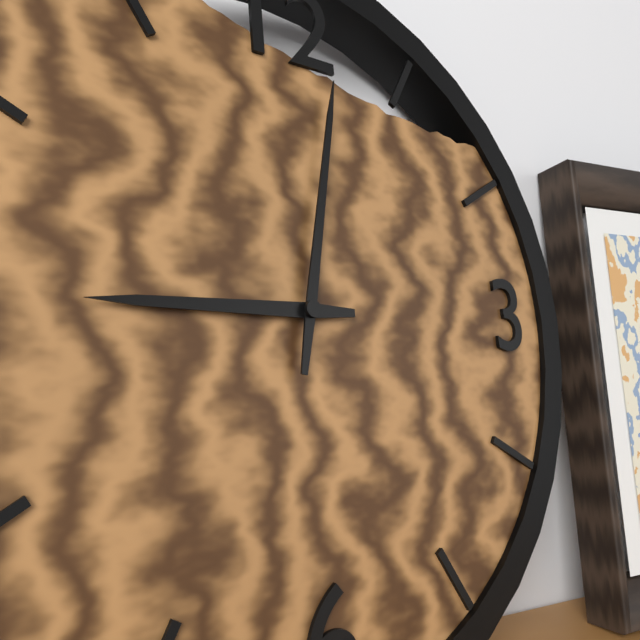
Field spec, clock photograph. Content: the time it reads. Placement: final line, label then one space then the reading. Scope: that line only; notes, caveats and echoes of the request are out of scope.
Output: 9:02
